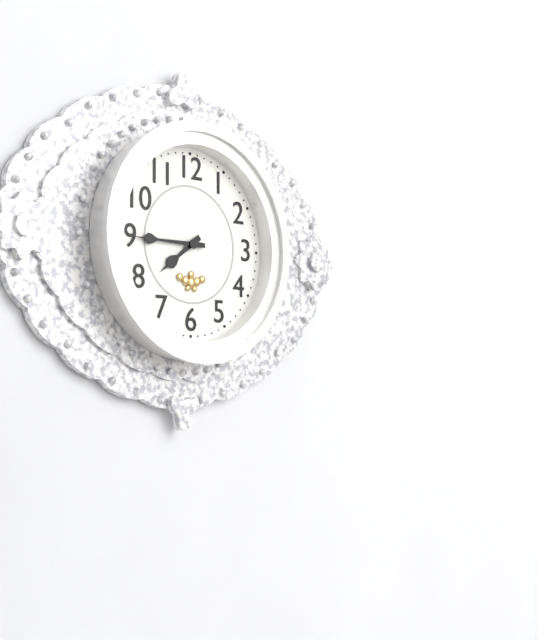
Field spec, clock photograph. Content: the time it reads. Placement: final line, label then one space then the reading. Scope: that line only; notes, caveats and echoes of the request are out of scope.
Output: 7:45
